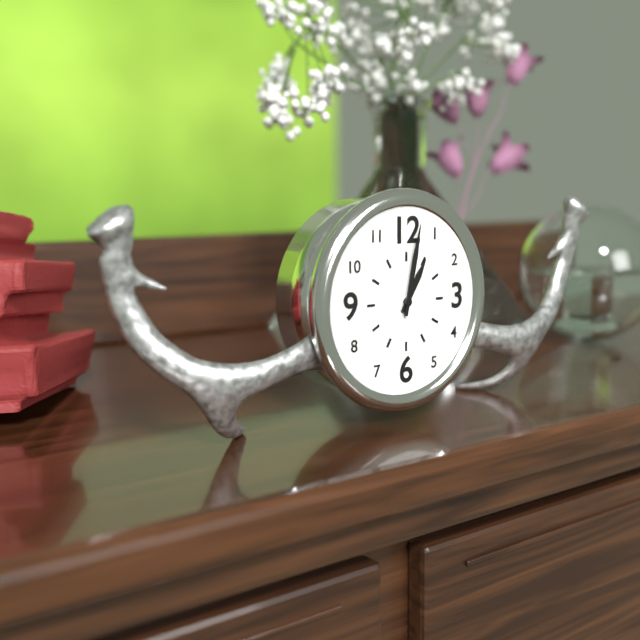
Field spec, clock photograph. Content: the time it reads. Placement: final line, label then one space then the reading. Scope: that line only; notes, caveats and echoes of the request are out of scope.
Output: 1:02
